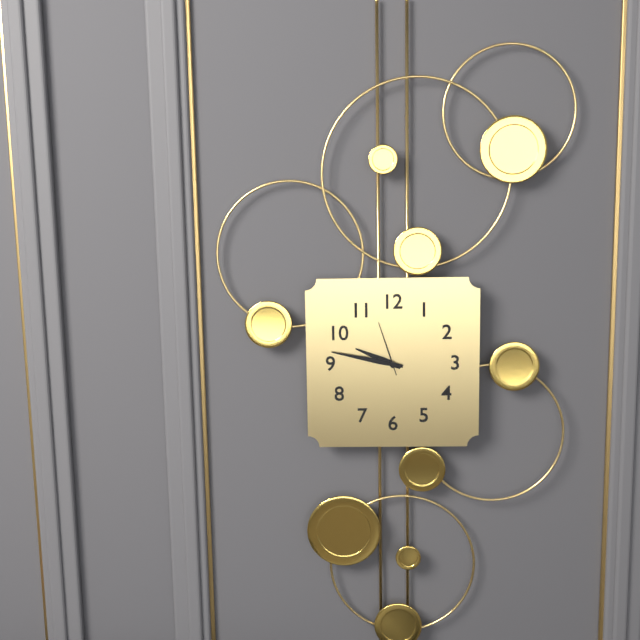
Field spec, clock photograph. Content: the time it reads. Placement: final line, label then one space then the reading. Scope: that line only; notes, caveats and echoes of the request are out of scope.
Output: 9:47:57
